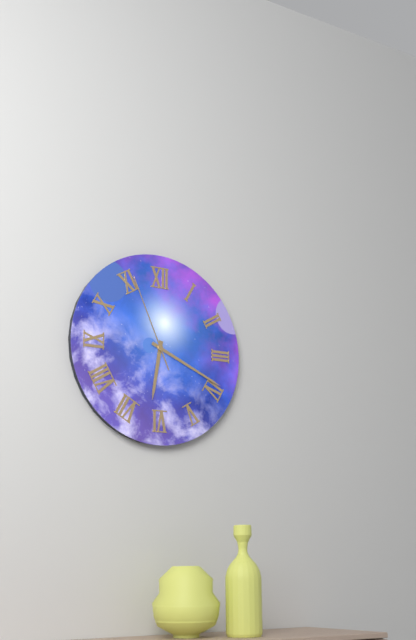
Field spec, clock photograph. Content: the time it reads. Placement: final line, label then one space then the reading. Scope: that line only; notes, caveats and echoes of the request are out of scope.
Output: 6:19:56
